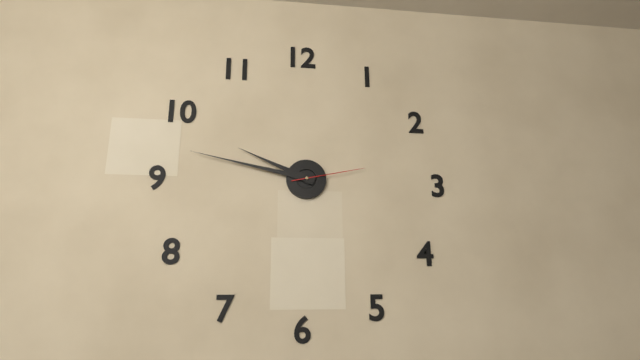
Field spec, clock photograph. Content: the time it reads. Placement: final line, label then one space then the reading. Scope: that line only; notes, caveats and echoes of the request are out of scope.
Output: 9:47:13
